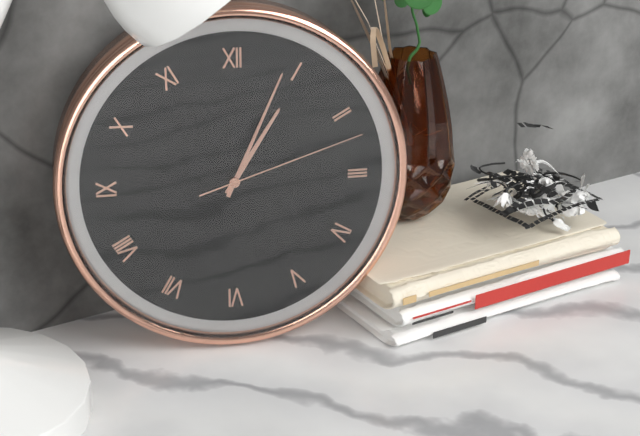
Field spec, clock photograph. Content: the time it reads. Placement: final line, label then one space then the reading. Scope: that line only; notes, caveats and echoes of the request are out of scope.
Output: 1:04:12
